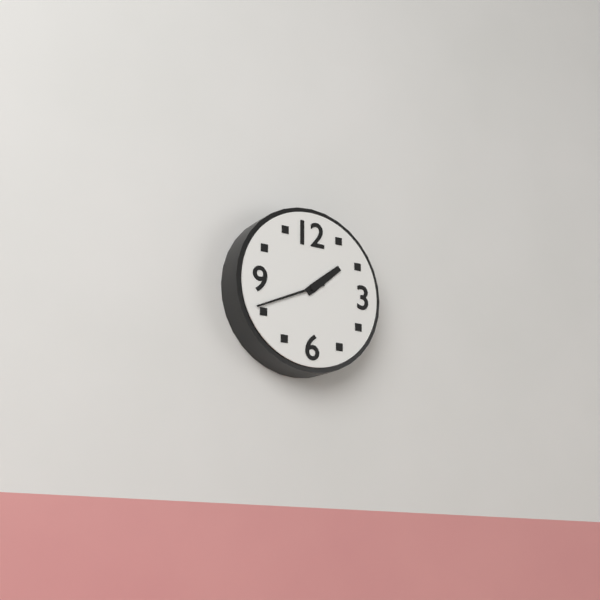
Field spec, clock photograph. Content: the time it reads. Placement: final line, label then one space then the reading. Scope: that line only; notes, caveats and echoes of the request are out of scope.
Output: 1:41
